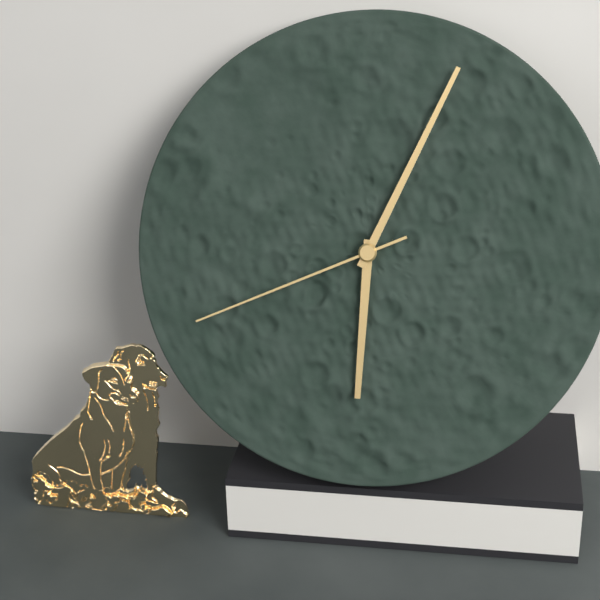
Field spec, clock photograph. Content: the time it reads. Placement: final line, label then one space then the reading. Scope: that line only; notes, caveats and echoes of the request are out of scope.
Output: 6:04:41
